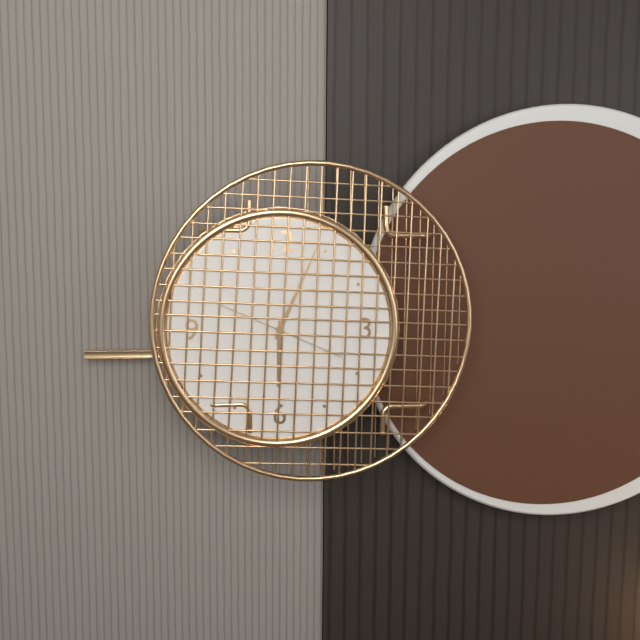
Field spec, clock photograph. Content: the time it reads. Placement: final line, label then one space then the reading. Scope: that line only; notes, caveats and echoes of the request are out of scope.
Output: 6:04:49
